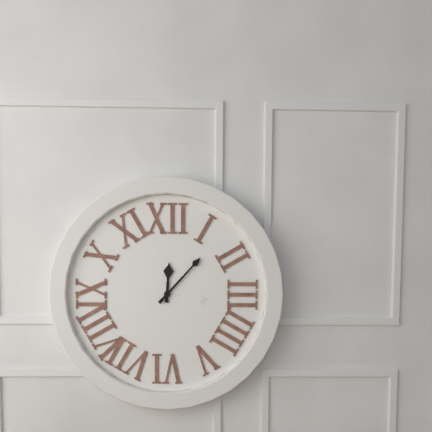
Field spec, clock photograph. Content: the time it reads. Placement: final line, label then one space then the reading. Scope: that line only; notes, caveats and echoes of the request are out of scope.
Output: 12:07
